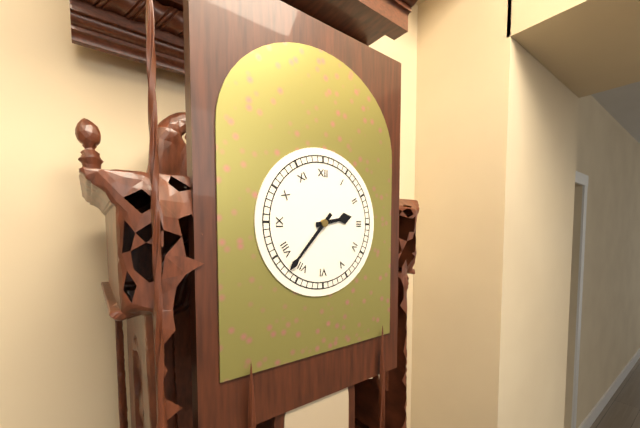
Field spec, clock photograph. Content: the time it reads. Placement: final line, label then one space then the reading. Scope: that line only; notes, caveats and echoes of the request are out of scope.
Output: 2:37
